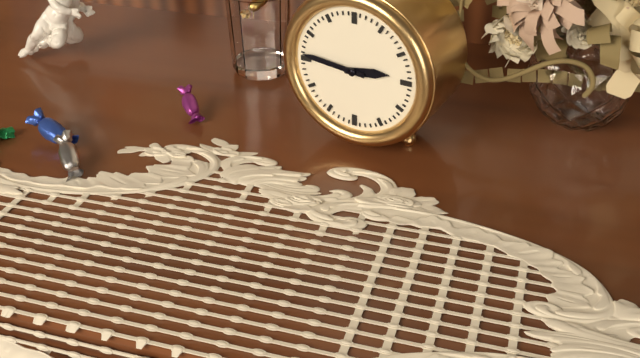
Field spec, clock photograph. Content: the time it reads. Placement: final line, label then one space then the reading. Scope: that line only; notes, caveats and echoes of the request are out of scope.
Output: 2:46
